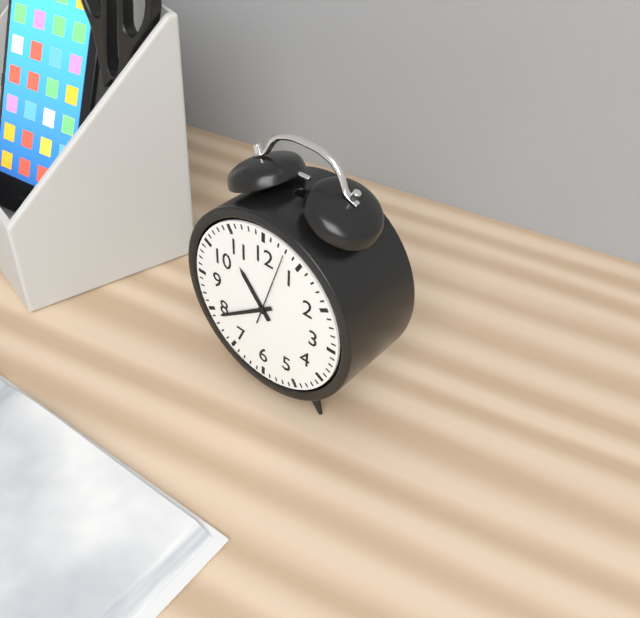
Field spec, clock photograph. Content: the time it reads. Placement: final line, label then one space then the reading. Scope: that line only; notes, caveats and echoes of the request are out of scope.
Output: 10:39:03
